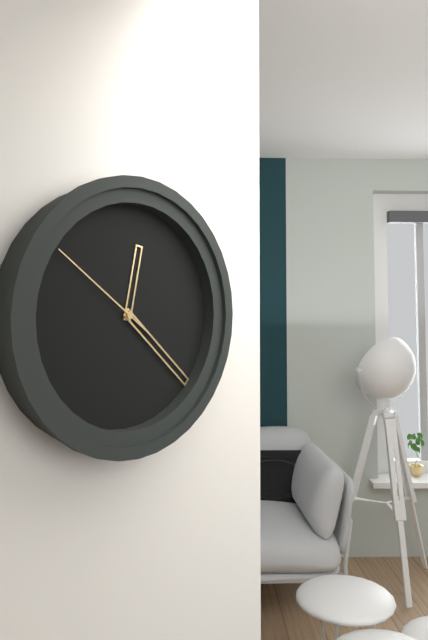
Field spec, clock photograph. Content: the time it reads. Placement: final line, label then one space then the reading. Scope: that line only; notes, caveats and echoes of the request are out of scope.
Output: 12:22:51
